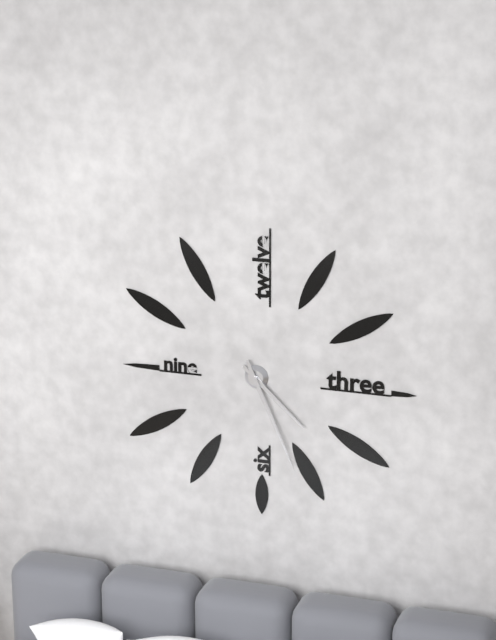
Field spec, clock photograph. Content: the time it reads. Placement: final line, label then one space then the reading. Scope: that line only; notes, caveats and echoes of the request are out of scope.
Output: 4:26
